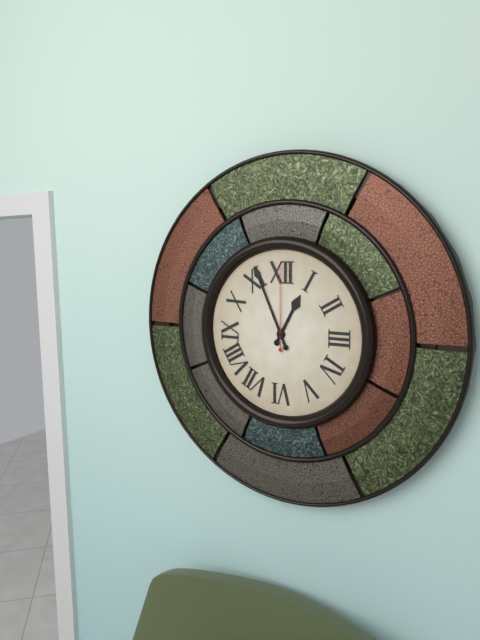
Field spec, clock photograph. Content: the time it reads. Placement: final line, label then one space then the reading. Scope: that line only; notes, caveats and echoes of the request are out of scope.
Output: 12:56:00
